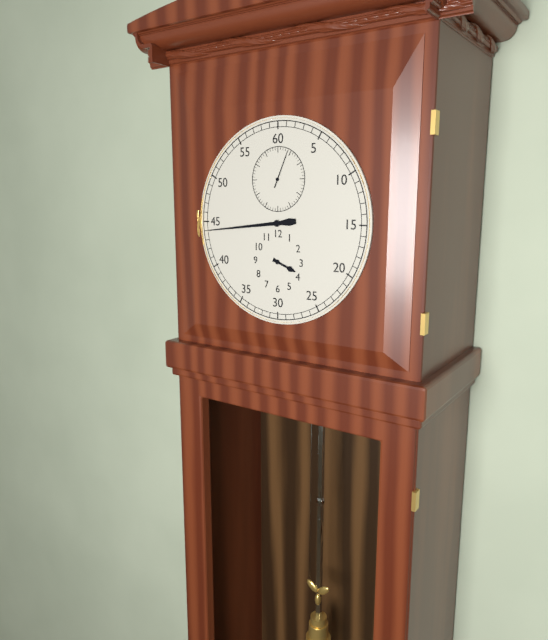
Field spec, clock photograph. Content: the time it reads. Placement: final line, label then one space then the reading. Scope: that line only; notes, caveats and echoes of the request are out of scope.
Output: 3:44
